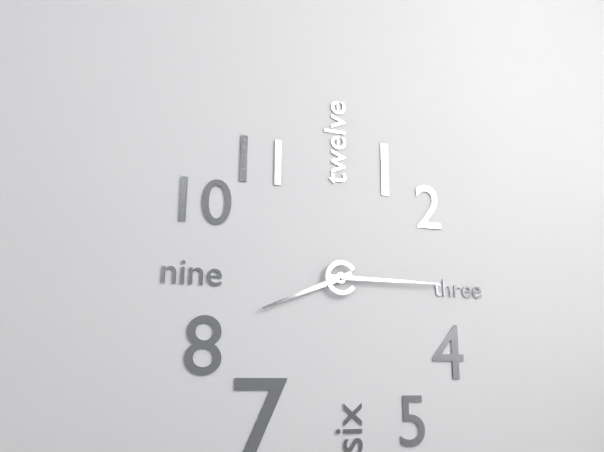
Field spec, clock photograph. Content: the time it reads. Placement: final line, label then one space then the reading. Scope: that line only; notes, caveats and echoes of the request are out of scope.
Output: 8:15
